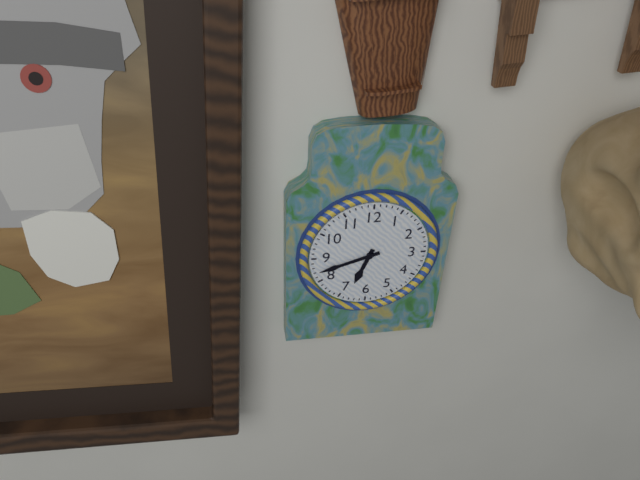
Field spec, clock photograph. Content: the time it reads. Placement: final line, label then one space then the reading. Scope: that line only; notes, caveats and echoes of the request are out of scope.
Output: 6:42
